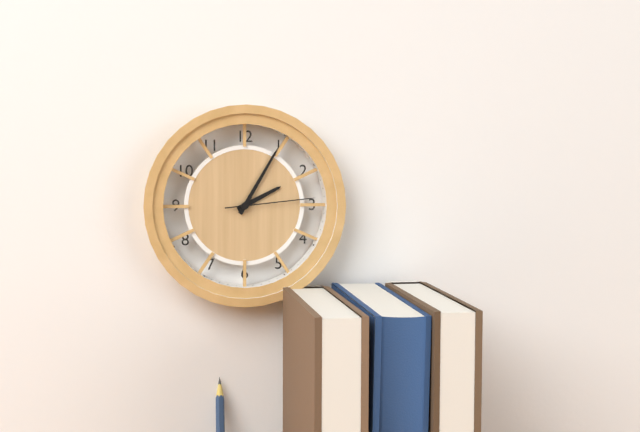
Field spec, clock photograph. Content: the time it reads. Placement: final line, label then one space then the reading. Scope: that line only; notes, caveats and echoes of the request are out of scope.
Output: 2:05:14
